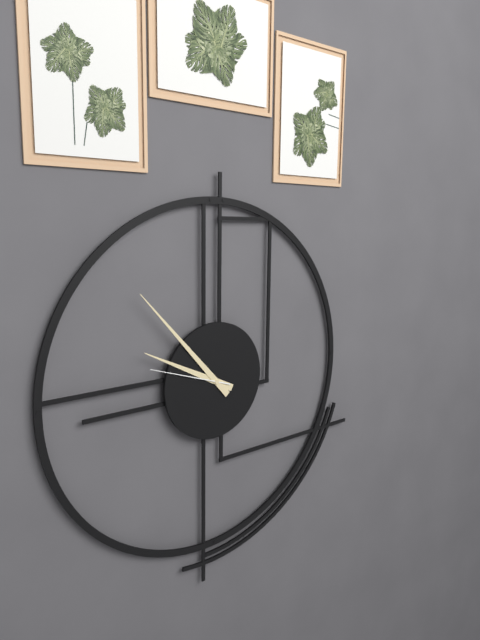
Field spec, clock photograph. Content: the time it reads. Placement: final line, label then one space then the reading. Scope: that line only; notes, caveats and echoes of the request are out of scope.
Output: 9:53:48
